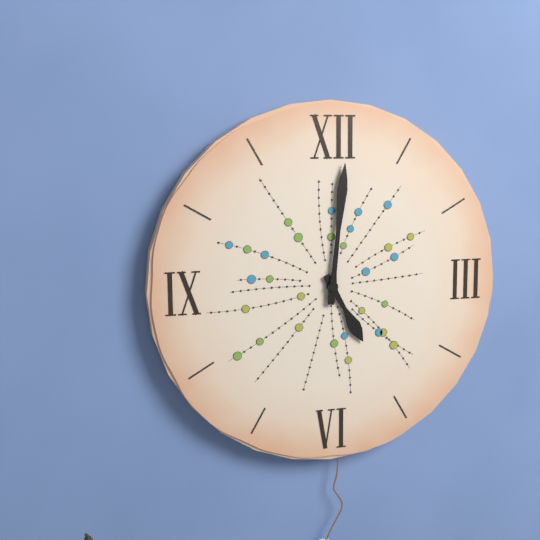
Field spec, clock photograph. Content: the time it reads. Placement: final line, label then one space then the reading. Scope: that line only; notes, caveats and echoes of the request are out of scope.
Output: 5:01
